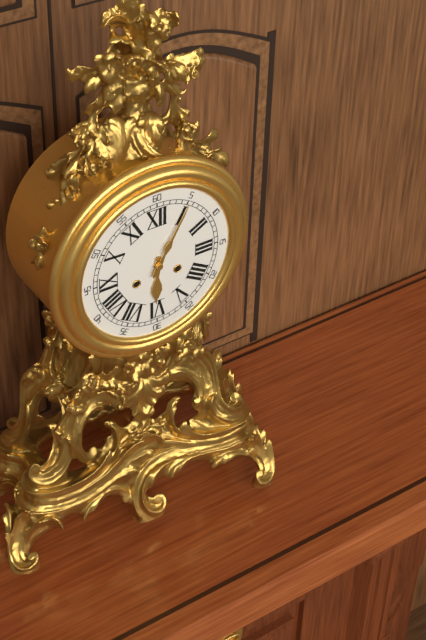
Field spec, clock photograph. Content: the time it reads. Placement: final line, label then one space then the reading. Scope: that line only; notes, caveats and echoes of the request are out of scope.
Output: 6:05
